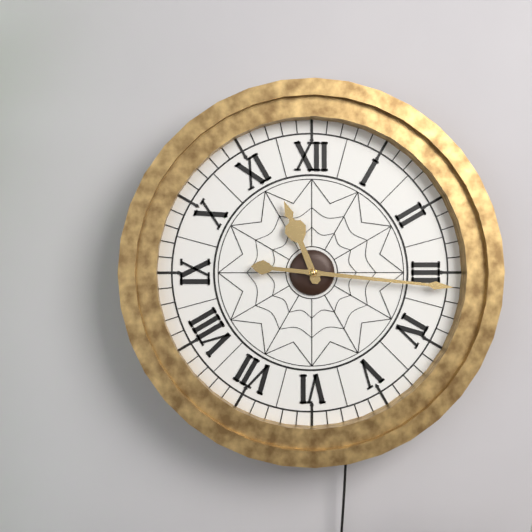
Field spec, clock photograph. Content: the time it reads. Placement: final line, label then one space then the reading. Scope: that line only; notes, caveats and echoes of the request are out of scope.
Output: 11:16
